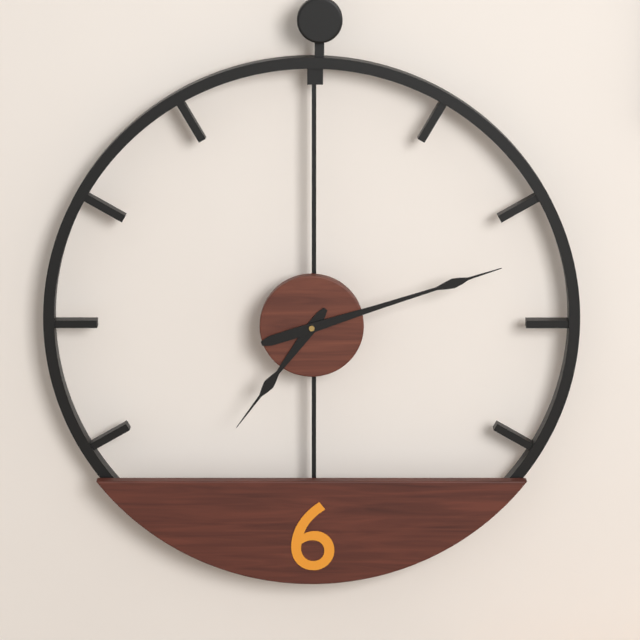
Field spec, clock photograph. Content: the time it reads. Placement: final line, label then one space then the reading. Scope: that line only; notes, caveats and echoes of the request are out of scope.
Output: 7:12
